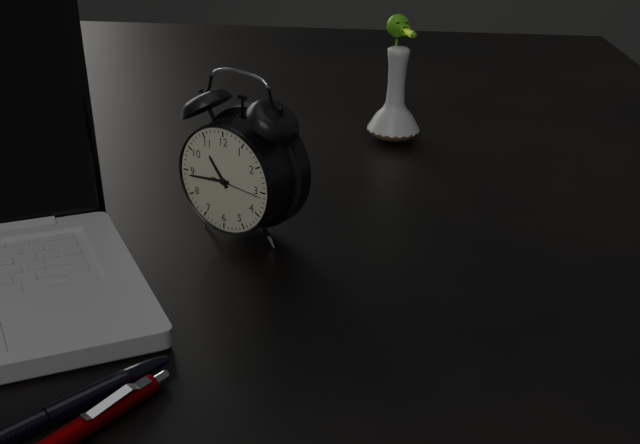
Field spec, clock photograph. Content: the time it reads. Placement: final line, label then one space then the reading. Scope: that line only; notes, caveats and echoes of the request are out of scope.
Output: 10:44
